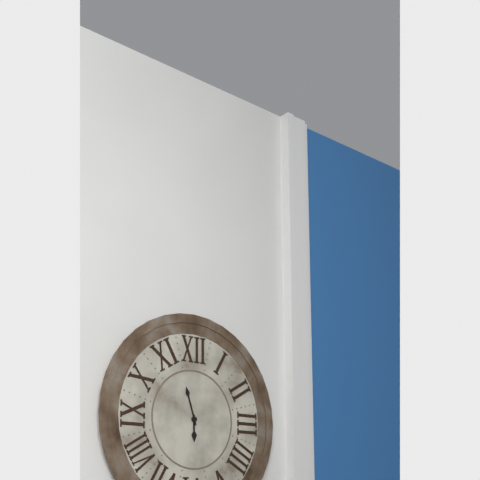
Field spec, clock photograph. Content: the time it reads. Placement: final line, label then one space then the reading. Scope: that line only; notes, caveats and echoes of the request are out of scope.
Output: 5:57
